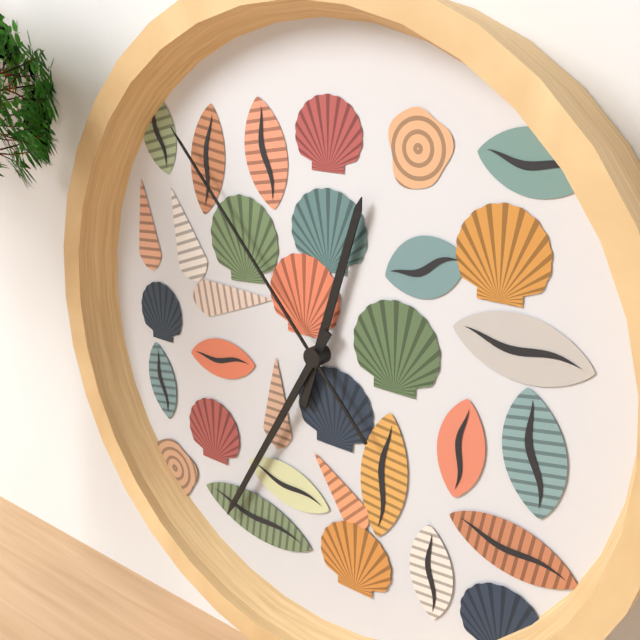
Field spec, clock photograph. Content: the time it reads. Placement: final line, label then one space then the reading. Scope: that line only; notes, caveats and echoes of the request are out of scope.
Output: 12:35:53
